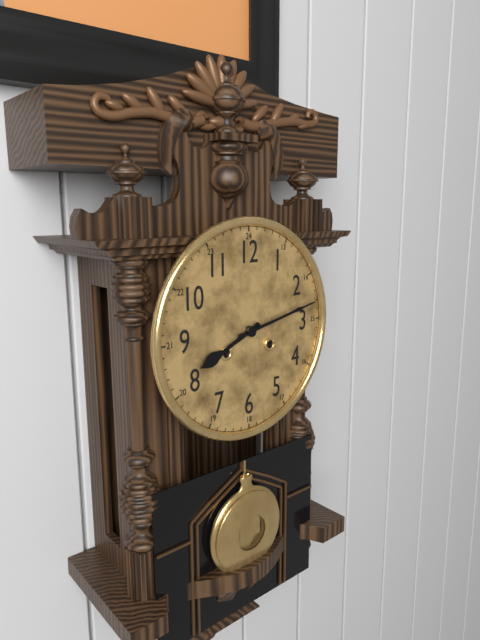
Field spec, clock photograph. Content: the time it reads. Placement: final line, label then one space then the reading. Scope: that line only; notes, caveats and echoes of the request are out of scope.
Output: 8:13
